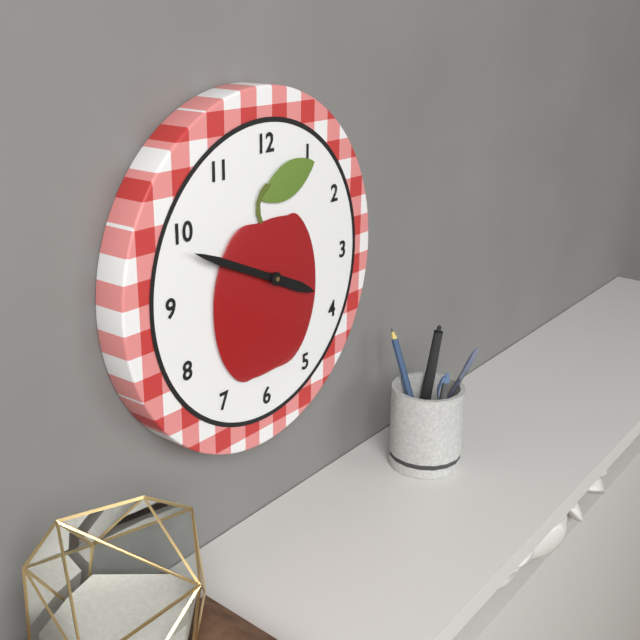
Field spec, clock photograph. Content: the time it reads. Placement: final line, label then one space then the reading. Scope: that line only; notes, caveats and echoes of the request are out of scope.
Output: 3:49
